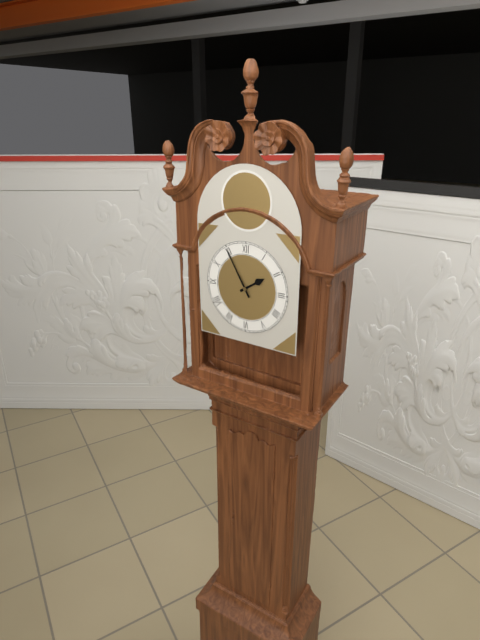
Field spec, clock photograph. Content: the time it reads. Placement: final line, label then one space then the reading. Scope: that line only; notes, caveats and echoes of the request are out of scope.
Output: 1:55
